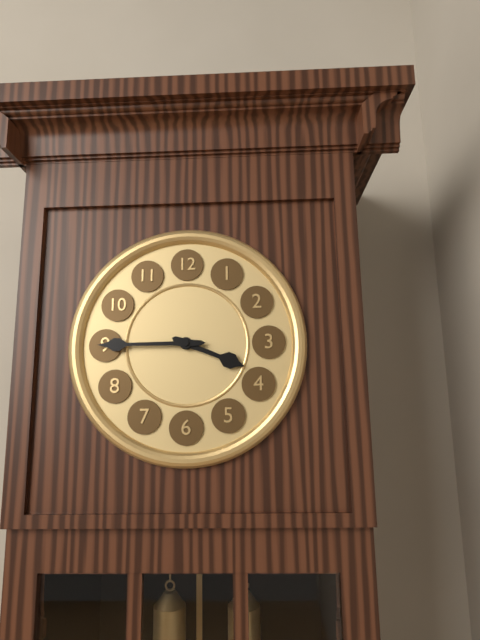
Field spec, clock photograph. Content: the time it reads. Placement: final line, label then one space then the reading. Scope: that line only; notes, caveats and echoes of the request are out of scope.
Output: 3:45
